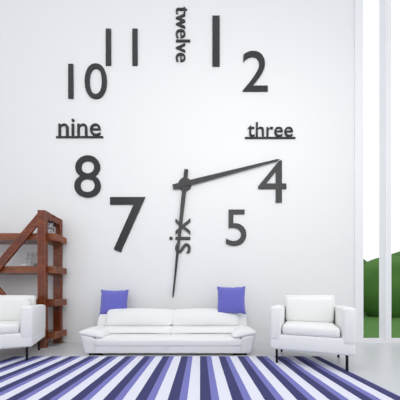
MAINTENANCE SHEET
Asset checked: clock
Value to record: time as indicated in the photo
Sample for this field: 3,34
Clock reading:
2,31
